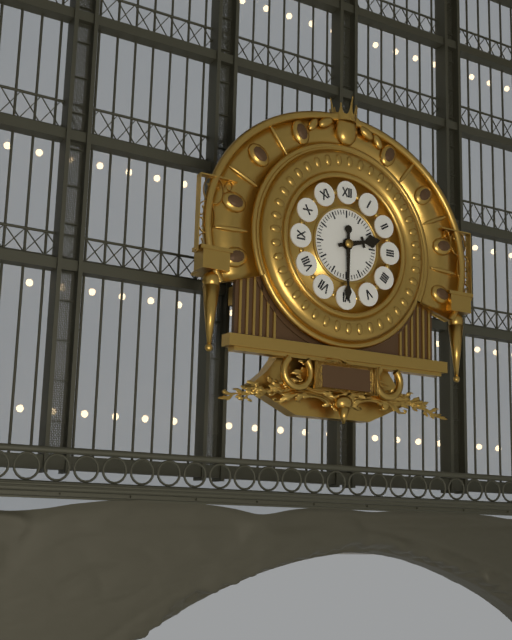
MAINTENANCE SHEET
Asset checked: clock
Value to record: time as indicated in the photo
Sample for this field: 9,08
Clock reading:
2,30
